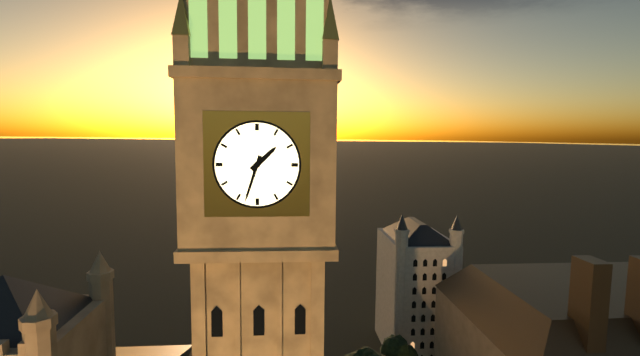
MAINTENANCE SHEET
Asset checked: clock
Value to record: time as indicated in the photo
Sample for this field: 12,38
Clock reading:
1,33
